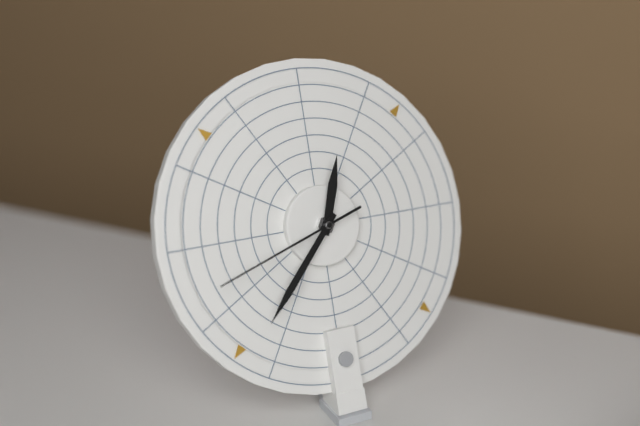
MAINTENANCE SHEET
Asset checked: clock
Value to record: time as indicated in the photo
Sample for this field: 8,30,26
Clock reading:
12,37,42
